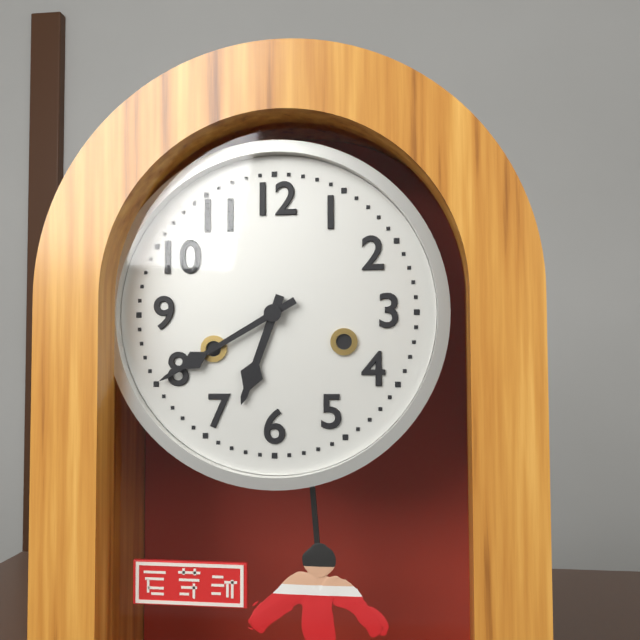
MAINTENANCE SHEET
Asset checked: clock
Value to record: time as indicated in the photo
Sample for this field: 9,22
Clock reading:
6,40
